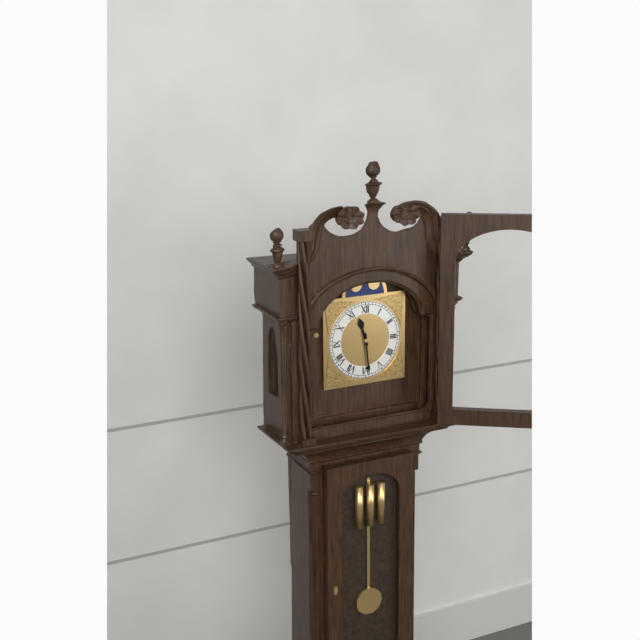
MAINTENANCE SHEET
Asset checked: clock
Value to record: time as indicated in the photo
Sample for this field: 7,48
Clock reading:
11,29
